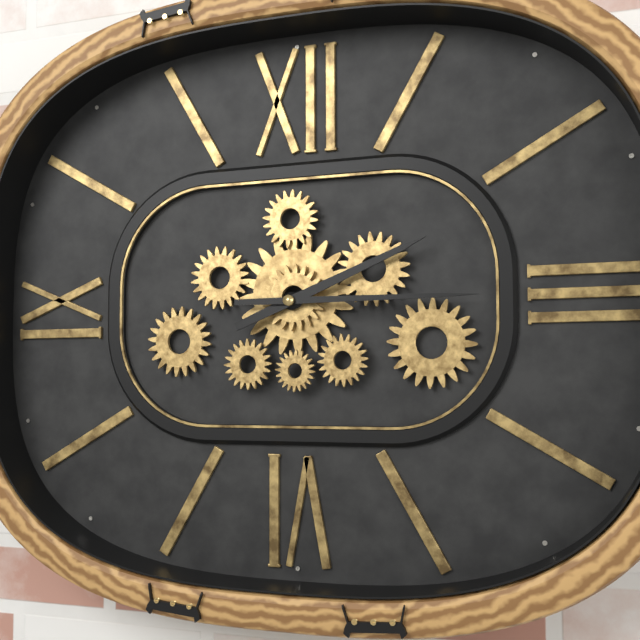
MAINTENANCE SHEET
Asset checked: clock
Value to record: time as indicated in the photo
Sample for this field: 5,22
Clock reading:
2,15
